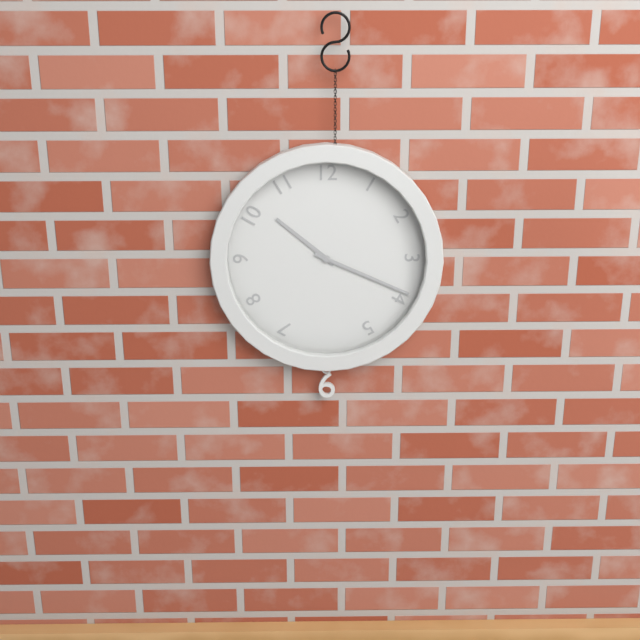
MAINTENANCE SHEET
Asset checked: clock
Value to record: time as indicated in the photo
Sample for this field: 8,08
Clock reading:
10,19
